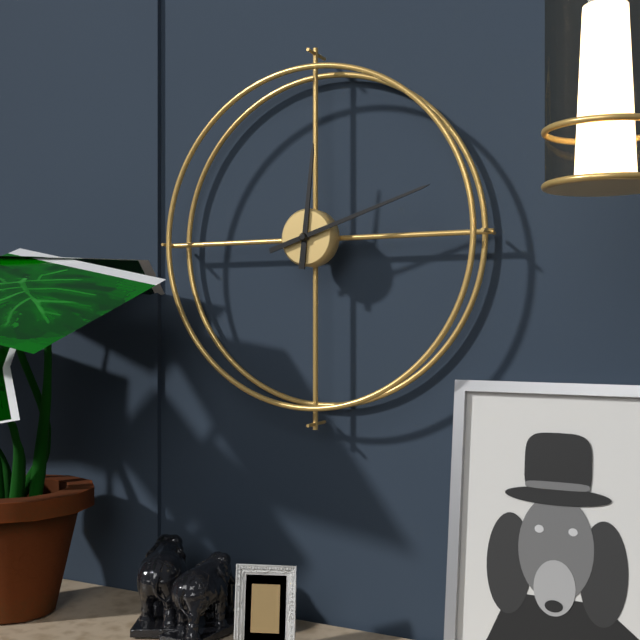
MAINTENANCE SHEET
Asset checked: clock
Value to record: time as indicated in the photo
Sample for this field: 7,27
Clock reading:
12,12
